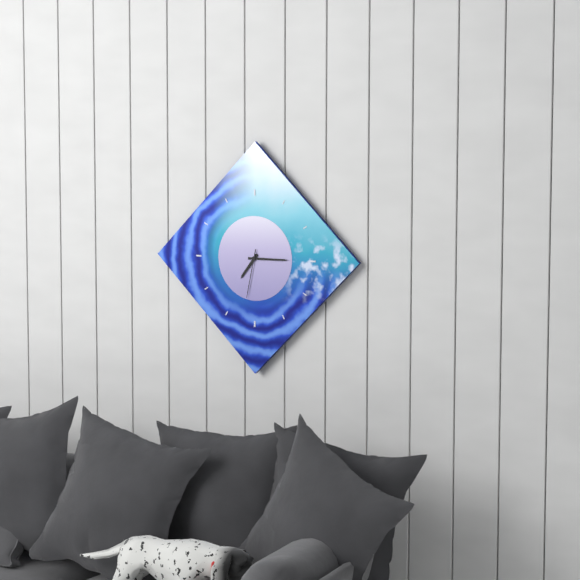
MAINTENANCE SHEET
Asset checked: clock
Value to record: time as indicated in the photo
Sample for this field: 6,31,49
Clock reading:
7,15,32
